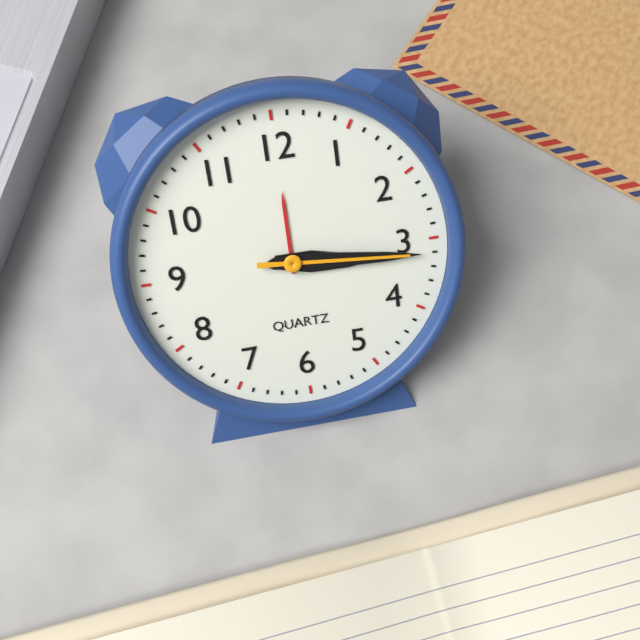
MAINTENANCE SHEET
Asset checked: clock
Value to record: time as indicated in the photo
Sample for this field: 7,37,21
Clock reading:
3,16,16
